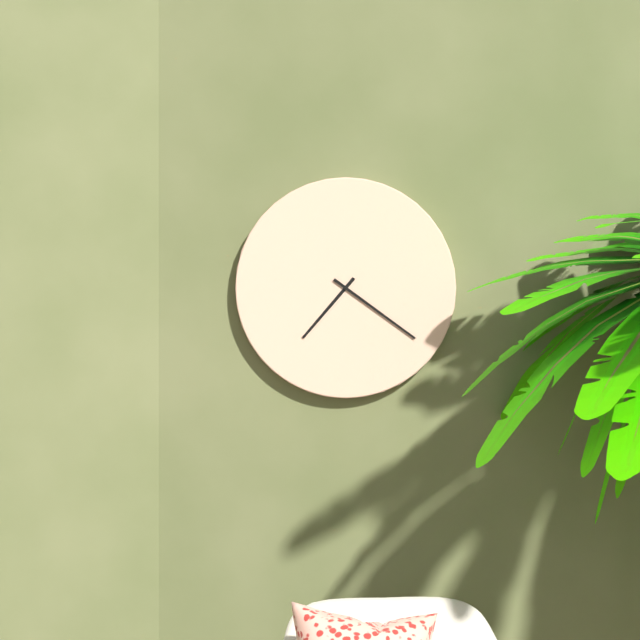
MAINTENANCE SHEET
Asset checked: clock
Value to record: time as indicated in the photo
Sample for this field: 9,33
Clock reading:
7,21
